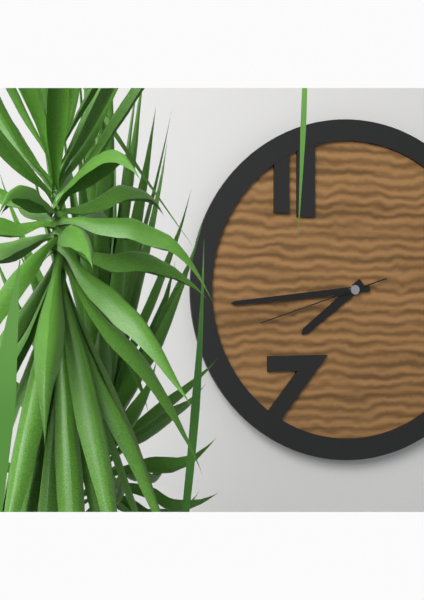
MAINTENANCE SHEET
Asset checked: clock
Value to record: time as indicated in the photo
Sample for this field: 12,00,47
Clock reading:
7,44,42
